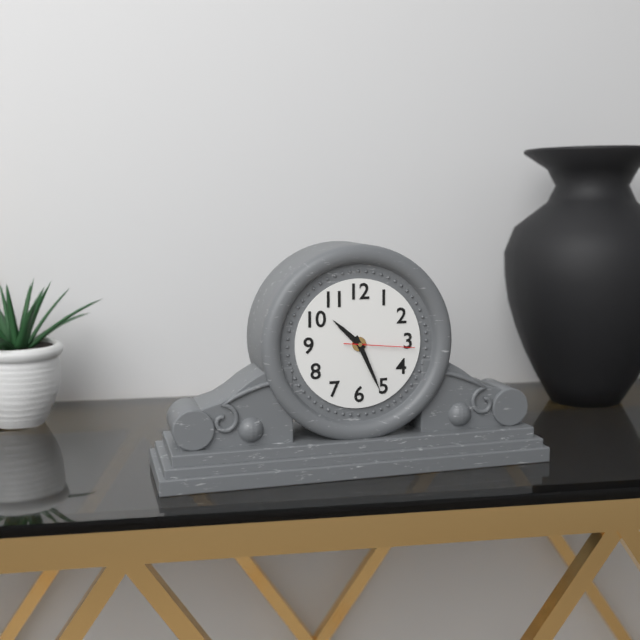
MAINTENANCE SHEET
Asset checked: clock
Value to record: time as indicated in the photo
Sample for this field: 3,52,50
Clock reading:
10,26,16
